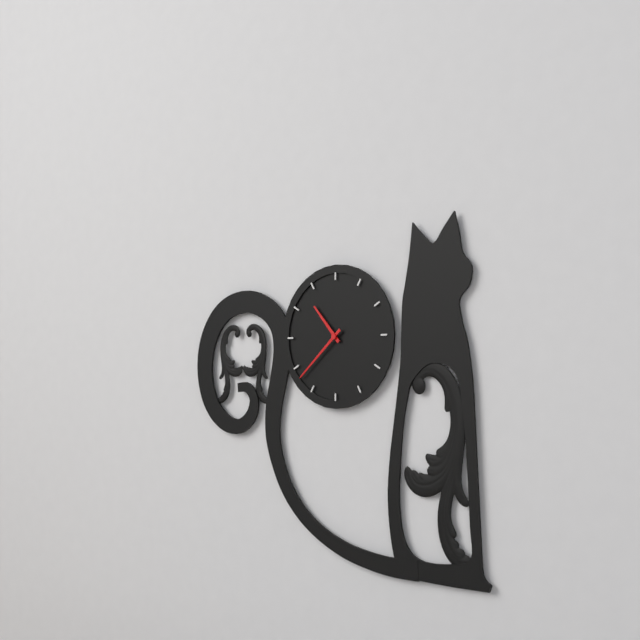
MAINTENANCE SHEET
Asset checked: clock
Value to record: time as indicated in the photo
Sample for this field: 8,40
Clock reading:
10,38
